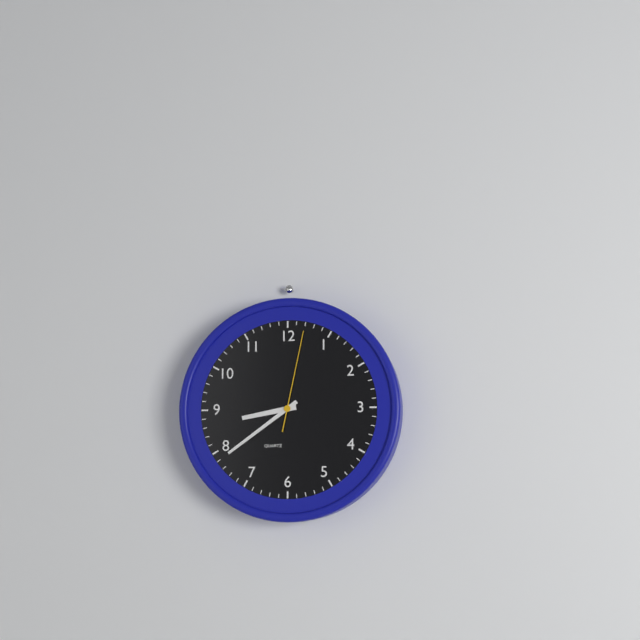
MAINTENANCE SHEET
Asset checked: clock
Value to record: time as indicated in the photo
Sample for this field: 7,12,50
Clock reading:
8,39,02
